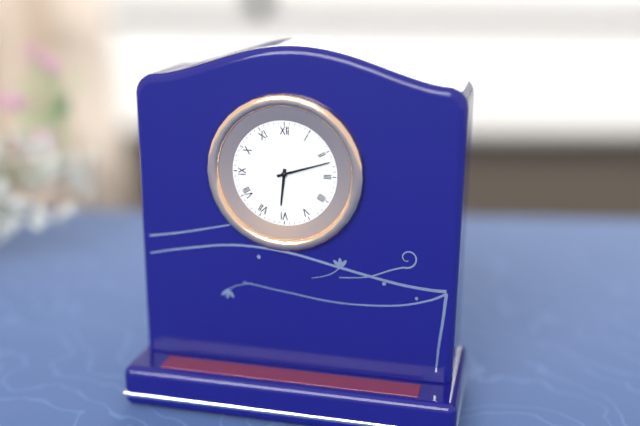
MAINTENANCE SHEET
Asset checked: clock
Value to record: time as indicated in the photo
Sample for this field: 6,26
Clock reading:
6,12
